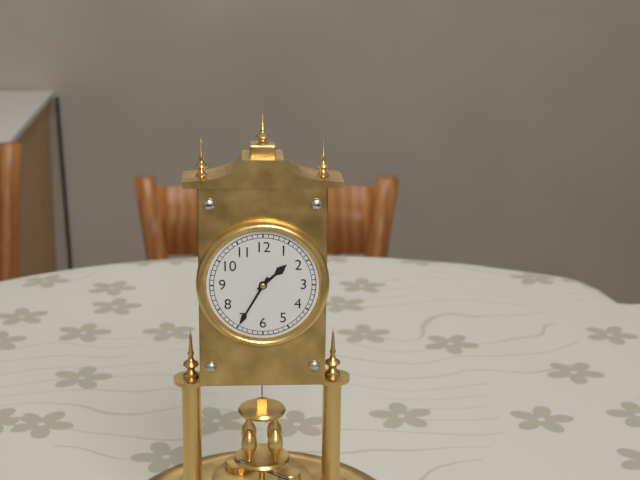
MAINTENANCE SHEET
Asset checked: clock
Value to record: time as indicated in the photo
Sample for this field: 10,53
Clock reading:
1,35
